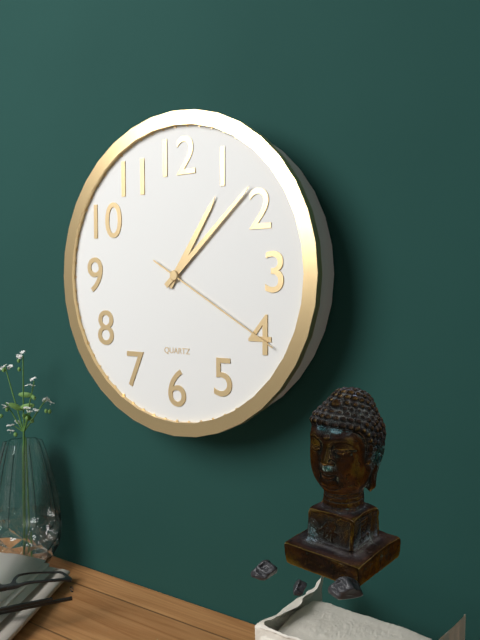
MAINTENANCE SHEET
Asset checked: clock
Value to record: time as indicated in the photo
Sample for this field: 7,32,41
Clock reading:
1,08,20
